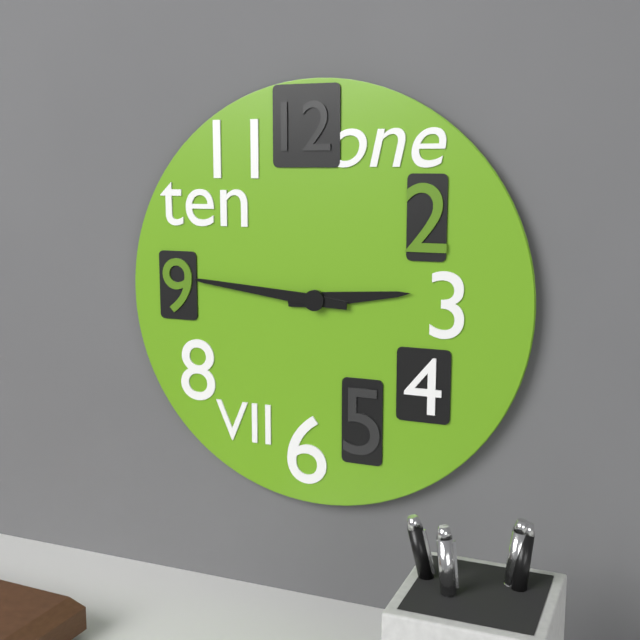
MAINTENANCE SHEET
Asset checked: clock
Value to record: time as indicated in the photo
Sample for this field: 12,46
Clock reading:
2,46
